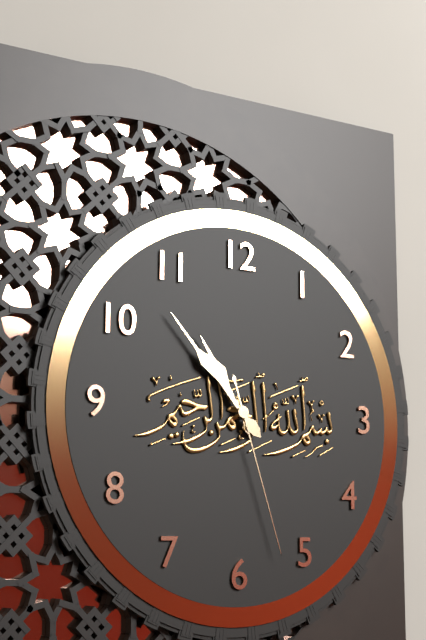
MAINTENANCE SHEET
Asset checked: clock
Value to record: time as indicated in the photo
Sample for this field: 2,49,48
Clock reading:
10,53,27
